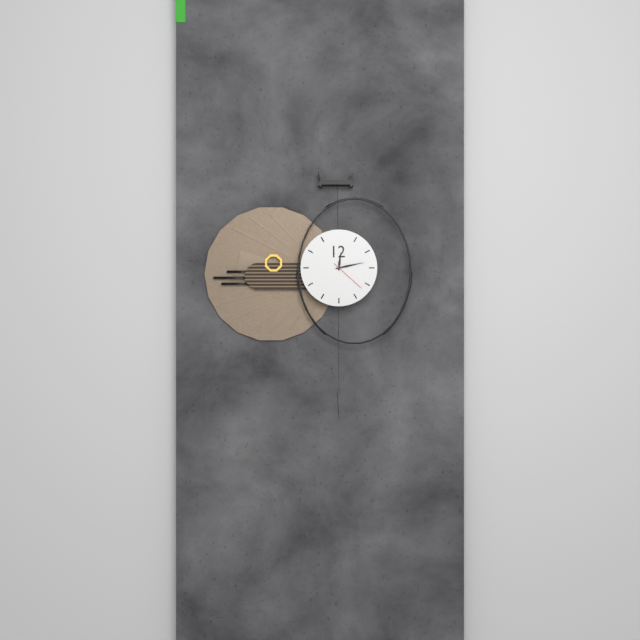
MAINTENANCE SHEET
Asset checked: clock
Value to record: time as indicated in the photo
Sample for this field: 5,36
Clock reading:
12,13
